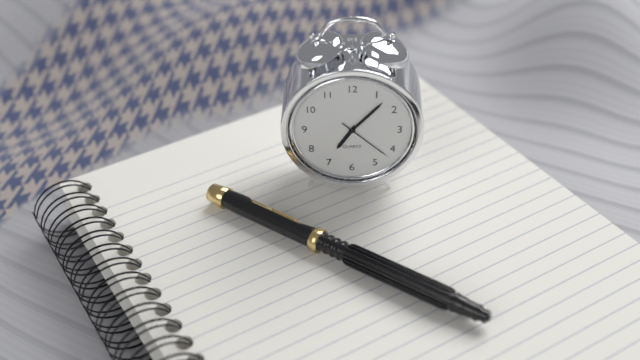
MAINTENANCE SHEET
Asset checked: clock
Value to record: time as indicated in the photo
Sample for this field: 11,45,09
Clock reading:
7,07,22
